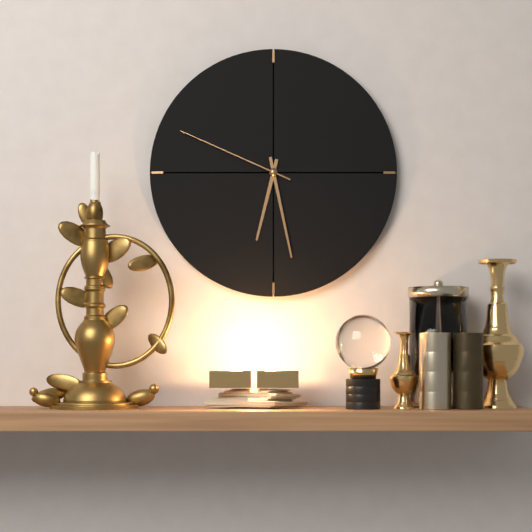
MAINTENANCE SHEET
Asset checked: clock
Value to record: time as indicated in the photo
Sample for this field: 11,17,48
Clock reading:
6,28,49
